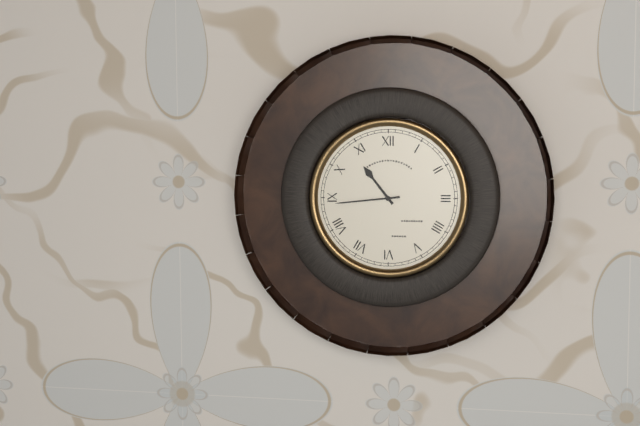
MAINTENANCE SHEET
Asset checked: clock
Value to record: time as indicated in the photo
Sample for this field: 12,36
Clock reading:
10,44
